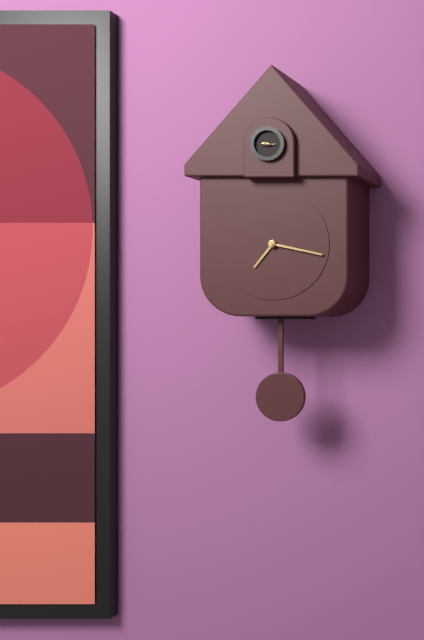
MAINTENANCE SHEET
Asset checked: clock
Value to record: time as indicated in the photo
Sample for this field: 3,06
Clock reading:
7,17
